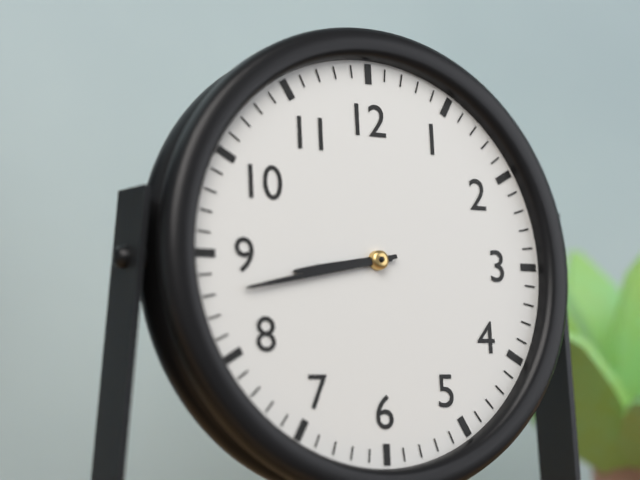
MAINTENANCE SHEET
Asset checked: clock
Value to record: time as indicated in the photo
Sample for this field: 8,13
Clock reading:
8,43
